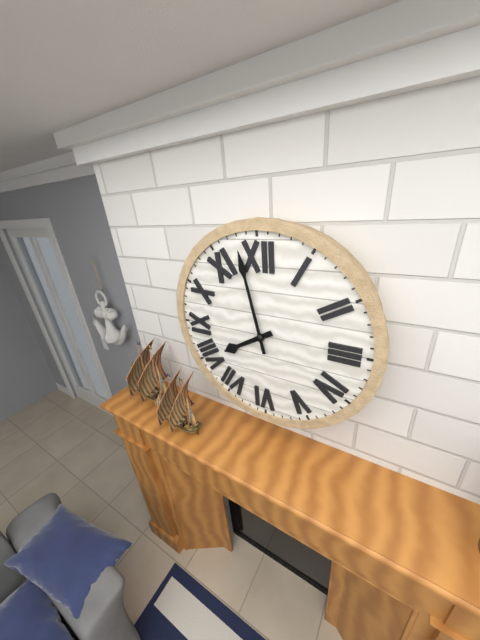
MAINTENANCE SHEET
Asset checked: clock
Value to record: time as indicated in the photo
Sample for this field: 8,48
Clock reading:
7,58
